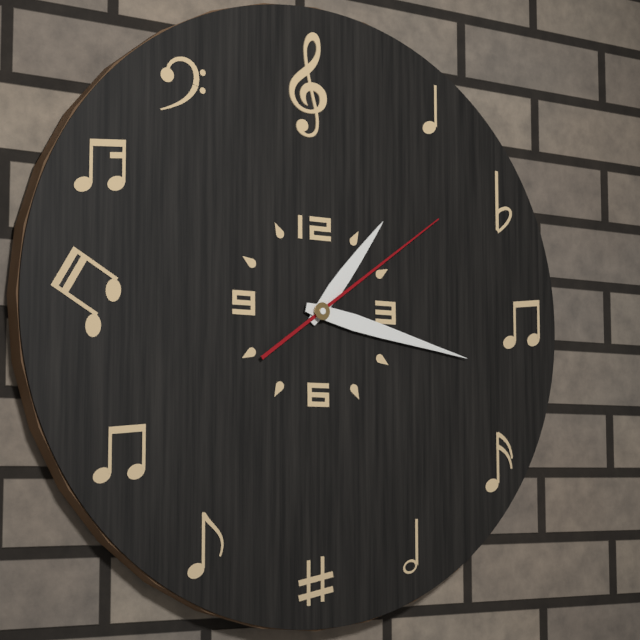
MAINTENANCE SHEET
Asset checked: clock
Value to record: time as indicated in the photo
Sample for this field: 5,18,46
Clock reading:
1,17,09
